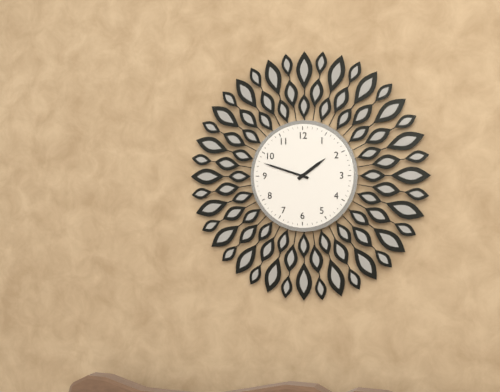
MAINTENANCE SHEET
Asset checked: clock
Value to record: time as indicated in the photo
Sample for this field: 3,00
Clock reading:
1,48
